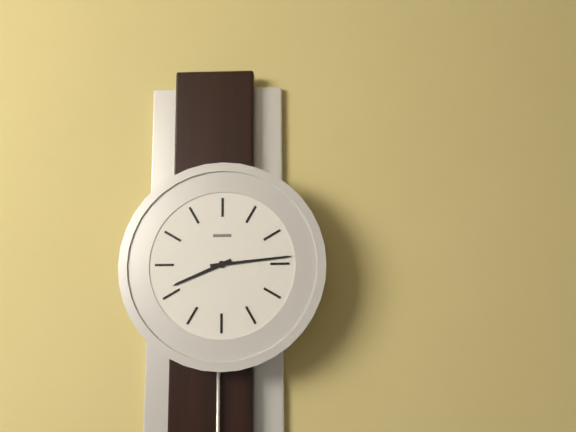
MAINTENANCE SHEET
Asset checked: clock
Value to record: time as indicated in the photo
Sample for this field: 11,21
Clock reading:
8,14
